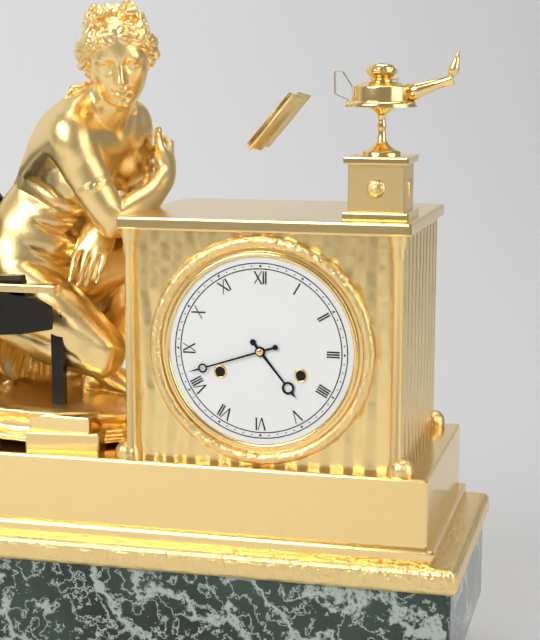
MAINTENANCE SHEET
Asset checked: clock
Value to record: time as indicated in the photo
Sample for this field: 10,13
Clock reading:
4,42
